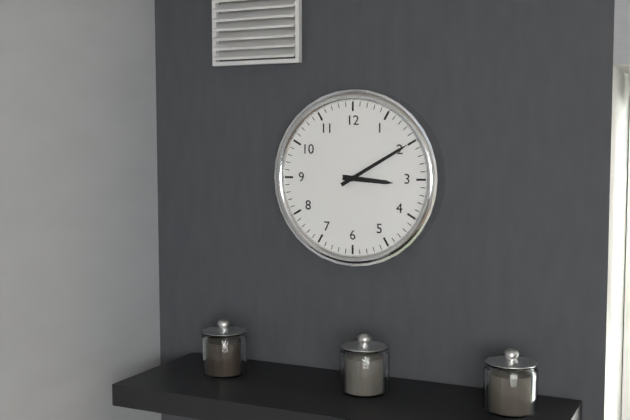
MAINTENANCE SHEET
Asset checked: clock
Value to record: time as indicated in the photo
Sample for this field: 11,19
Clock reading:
3,10
